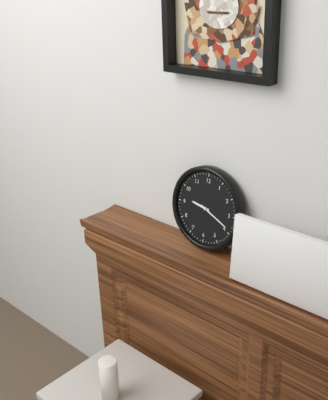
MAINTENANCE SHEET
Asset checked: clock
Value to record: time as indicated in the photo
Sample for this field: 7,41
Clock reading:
9,19
